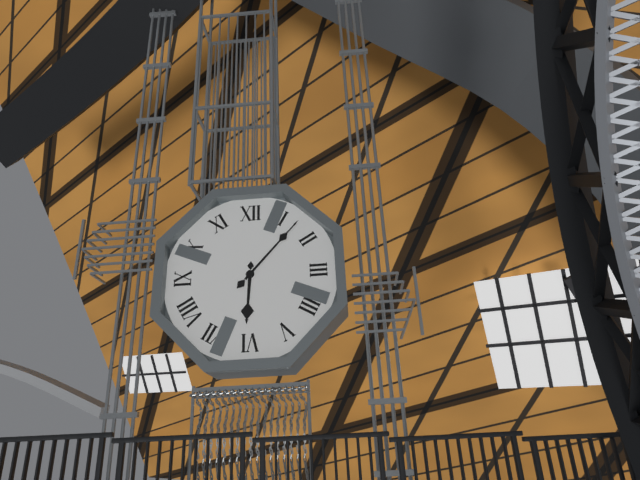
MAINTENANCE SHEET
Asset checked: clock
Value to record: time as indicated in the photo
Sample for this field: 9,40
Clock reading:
6,07
